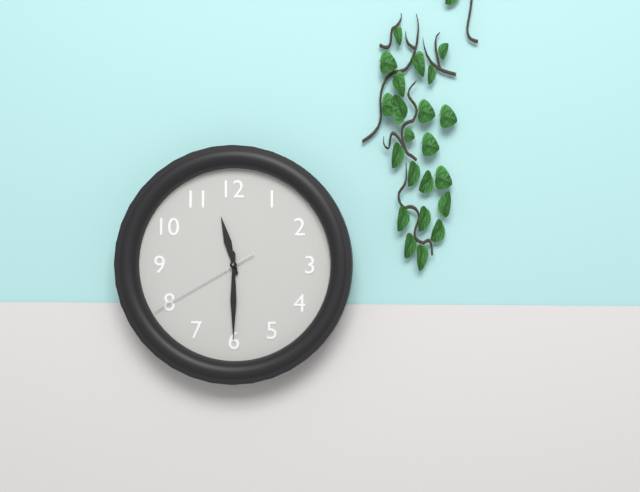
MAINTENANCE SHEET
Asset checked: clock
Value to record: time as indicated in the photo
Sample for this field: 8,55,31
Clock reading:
11,30,40
